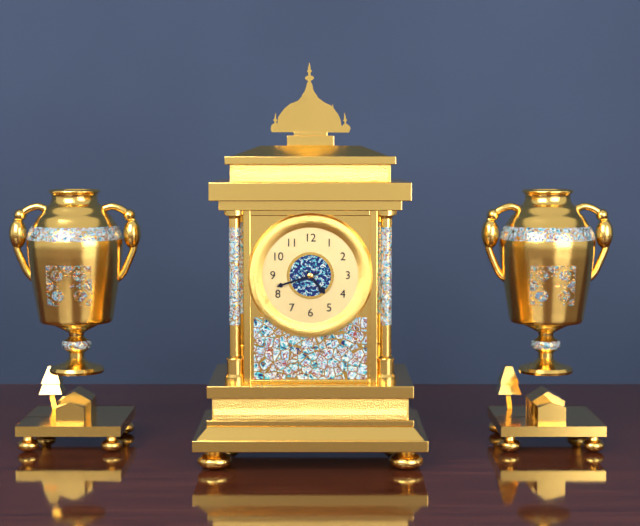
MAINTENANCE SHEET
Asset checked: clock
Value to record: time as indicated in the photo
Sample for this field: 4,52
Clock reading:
4,42
